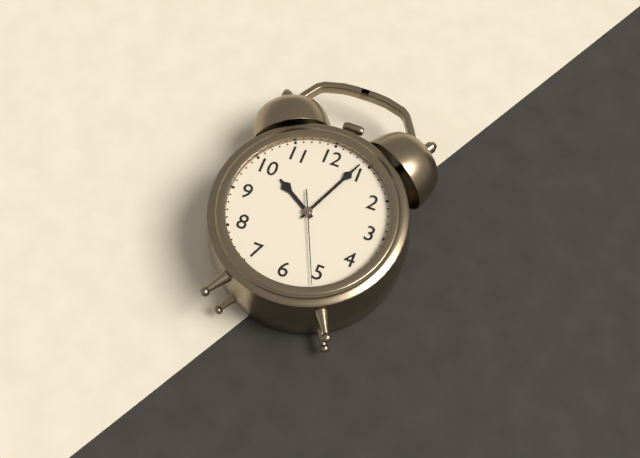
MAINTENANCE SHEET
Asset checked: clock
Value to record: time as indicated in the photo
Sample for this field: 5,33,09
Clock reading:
10,04,26
